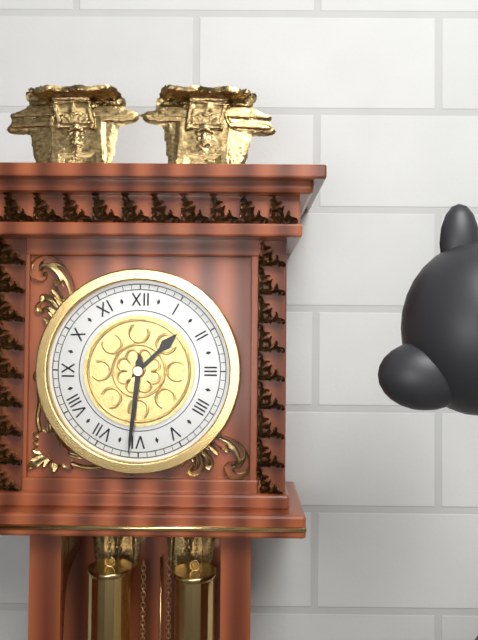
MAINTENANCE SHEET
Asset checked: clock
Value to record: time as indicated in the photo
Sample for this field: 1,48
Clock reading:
1,31
